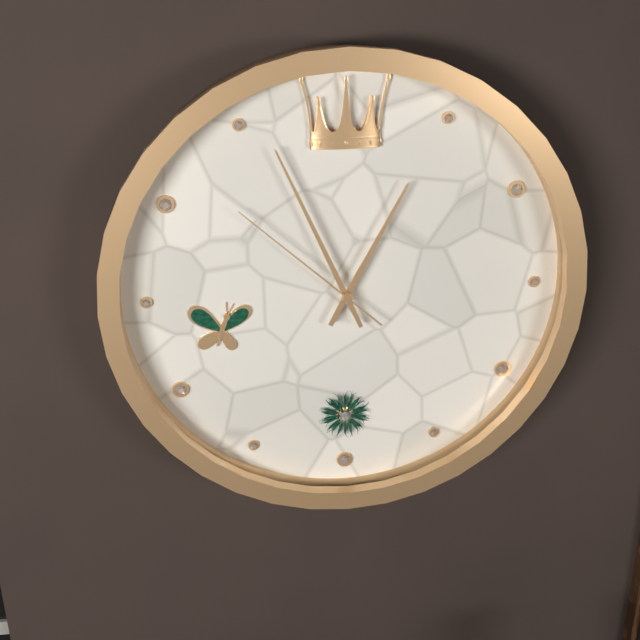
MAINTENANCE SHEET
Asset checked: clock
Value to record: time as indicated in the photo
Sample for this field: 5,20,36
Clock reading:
12,56,52
